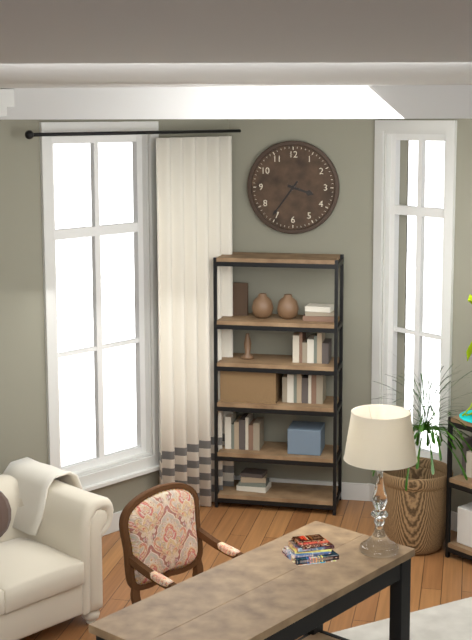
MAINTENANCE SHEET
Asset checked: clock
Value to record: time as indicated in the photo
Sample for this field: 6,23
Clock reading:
3,36
